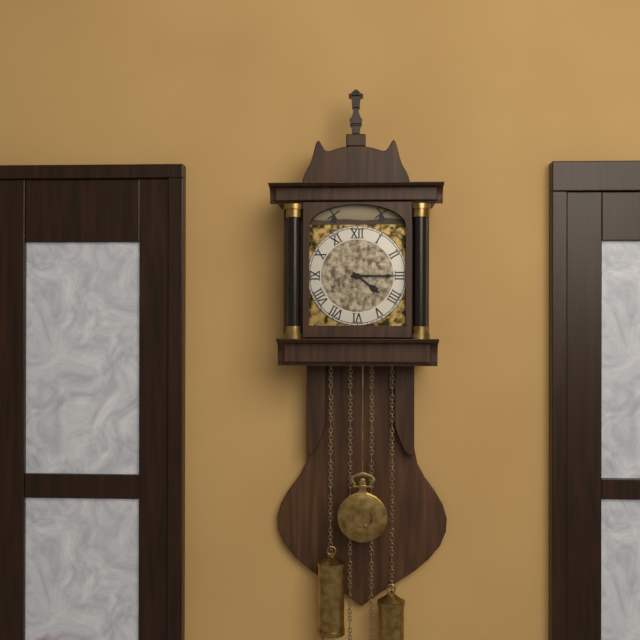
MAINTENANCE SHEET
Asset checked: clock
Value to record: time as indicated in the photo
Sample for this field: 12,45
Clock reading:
4,15
